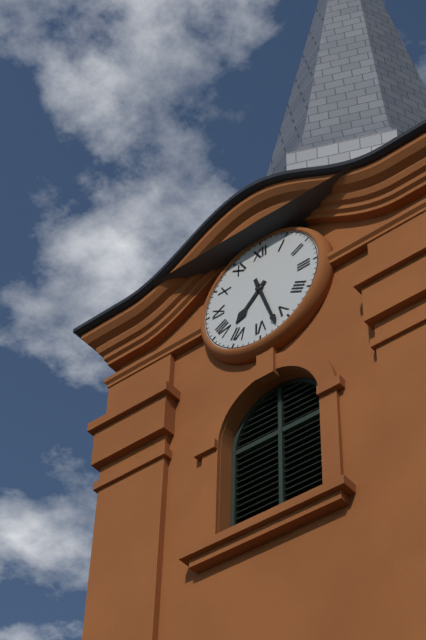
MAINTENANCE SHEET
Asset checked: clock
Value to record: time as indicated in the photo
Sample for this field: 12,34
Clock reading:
7,27
